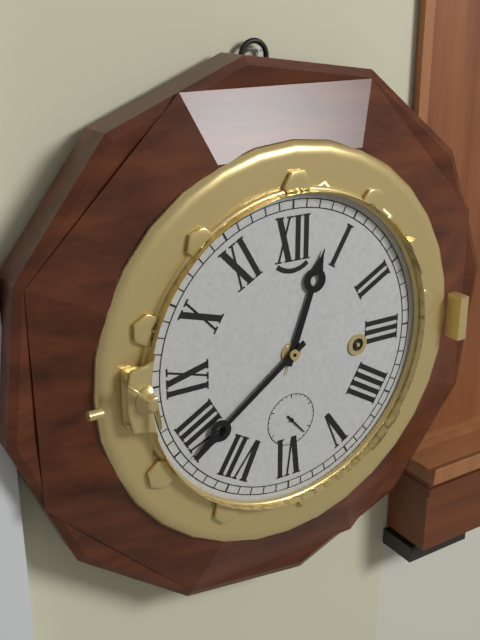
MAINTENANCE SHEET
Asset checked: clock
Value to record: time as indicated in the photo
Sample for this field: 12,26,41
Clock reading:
12,39,23
